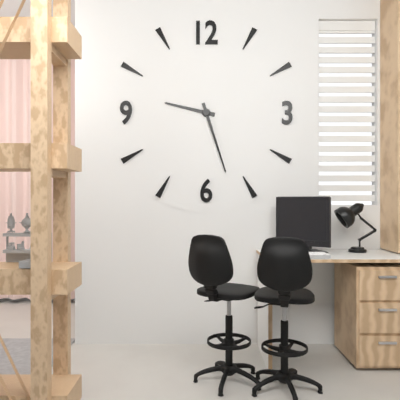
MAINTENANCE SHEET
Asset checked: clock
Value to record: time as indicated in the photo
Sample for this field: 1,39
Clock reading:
9,27
